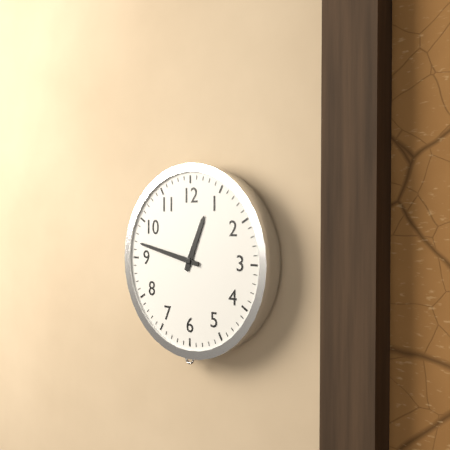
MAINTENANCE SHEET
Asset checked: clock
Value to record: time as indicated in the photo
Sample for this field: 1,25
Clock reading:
12,47
